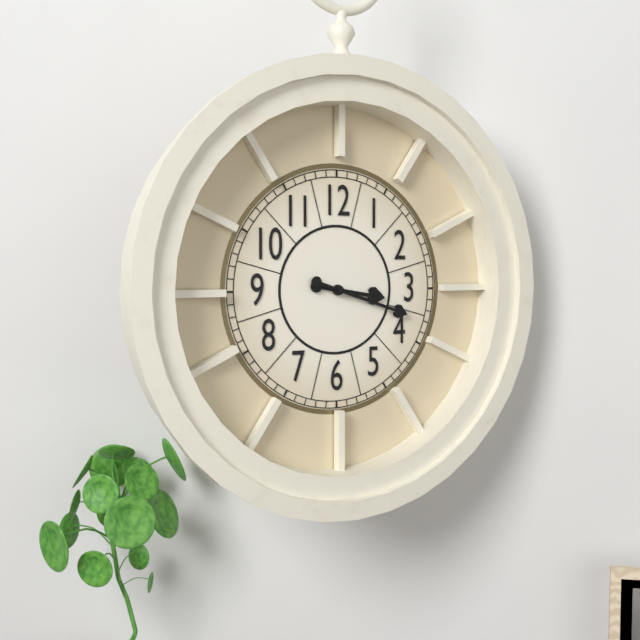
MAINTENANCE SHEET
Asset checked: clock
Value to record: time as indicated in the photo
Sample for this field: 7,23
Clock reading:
3,18
